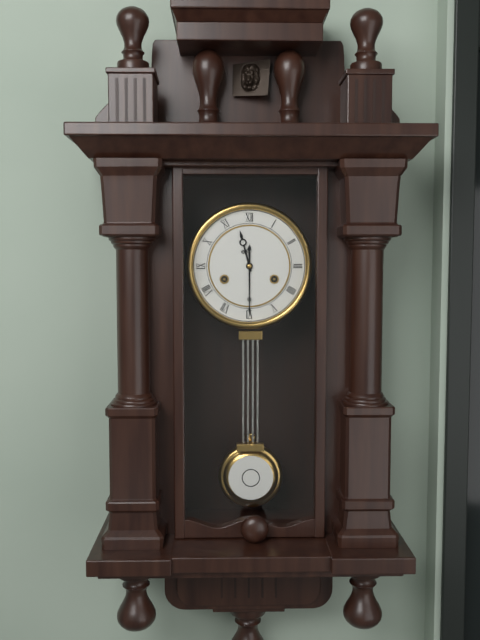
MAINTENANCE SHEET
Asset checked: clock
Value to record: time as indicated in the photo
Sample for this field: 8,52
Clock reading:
11,30
